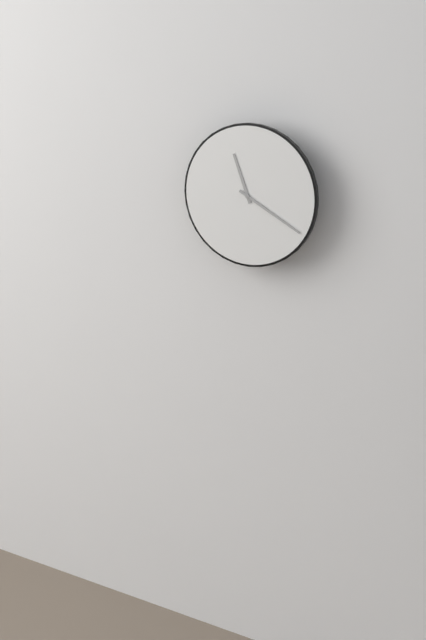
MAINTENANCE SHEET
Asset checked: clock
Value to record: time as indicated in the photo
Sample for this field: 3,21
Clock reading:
11,20
